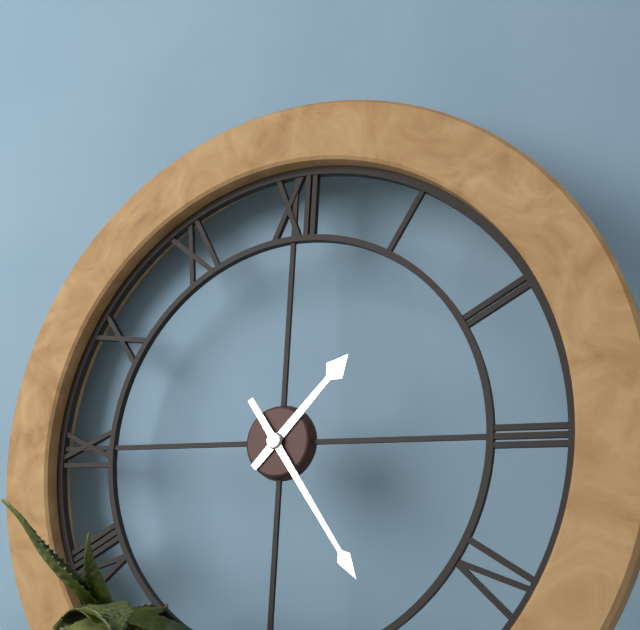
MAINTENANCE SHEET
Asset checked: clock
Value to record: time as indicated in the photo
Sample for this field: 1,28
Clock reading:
1,24
